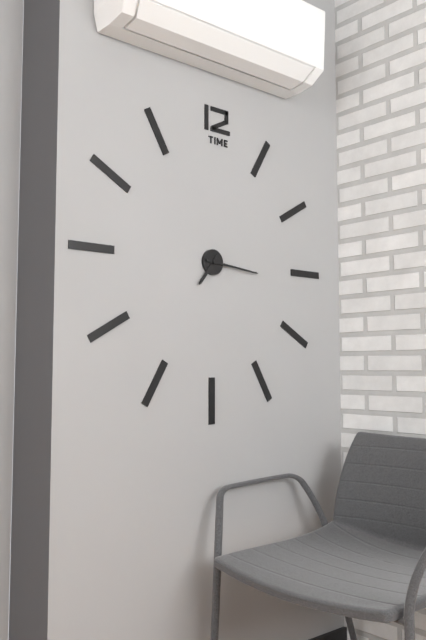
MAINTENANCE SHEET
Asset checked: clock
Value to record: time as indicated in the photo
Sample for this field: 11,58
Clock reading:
7,16
